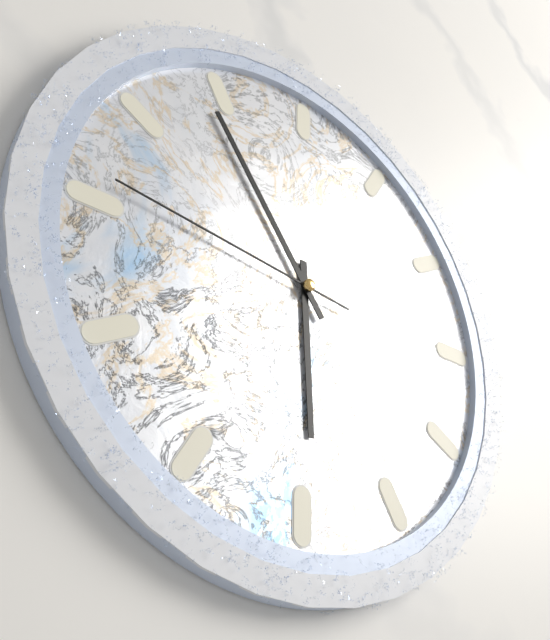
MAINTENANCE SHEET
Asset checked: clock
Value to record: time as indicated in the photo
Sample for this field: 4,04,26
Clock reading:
5,54,46
